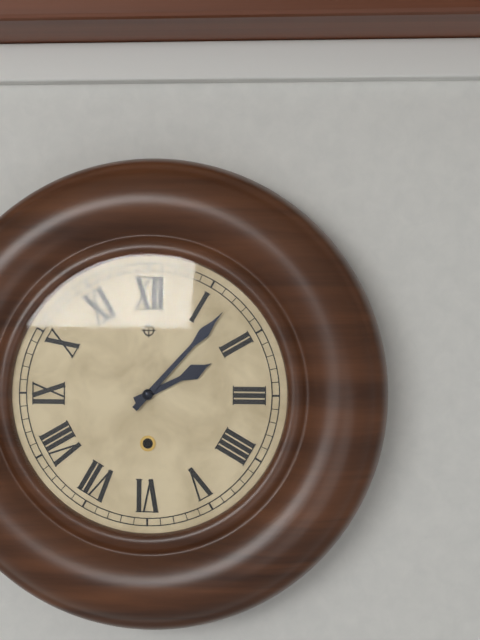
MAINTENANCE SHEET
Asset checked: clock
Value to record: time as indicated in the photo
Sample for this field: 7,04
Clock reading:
2,07
